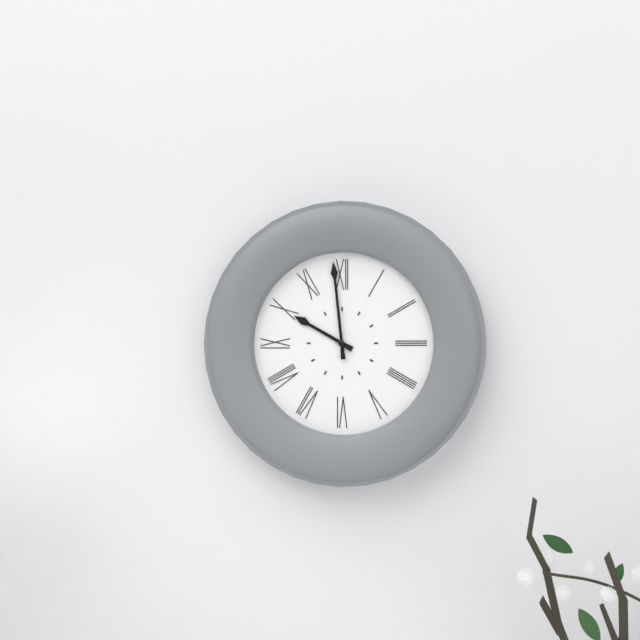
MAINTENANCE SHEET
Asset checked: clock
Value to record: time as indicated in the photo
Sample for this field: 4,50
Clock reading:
9,59
